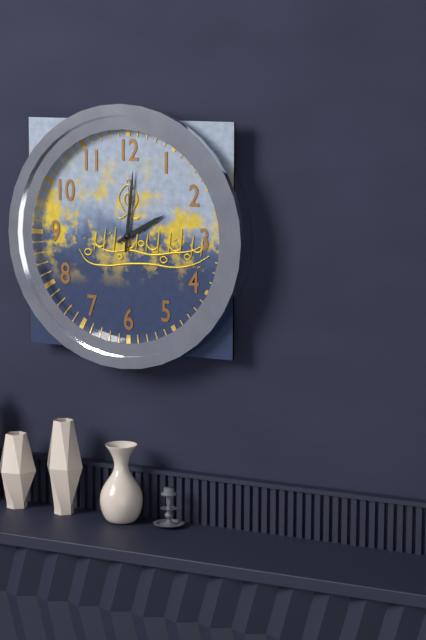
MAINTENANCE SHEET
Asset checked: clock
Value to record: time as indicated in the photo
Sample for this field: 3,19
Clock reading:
2,01
